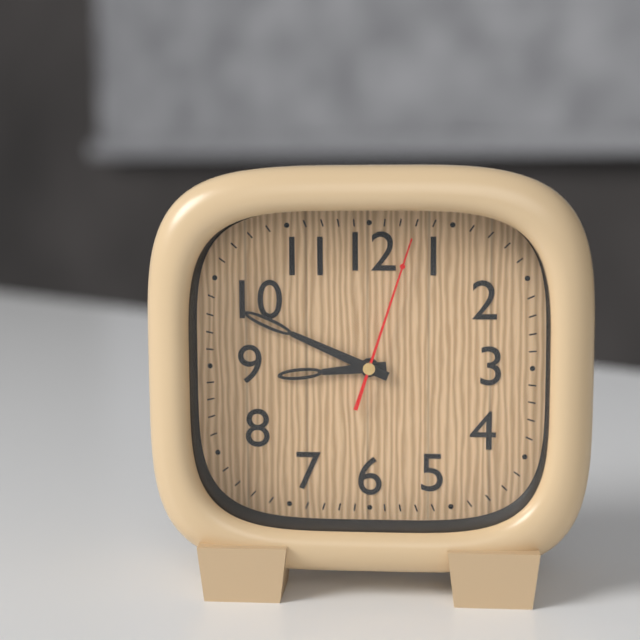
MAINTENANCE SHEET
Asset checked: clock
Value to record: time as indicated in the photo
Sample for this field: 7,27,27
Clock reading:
8,49,03
